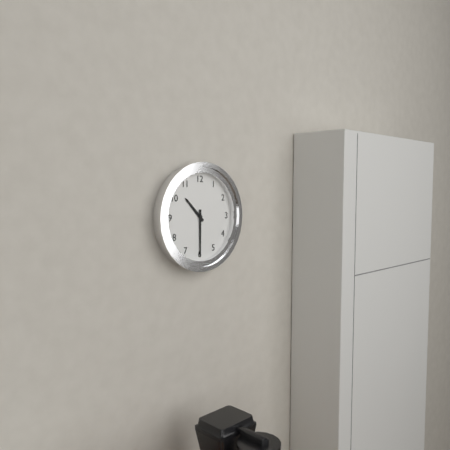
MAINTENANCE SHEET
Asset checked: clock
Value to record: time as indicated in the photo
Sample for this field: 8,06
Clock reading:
10,30
